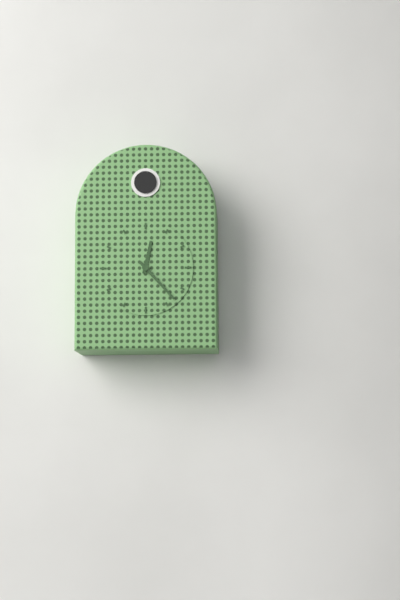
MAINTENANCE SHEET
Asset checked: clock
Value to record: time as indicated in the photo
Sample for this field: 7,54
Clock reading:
12,23
